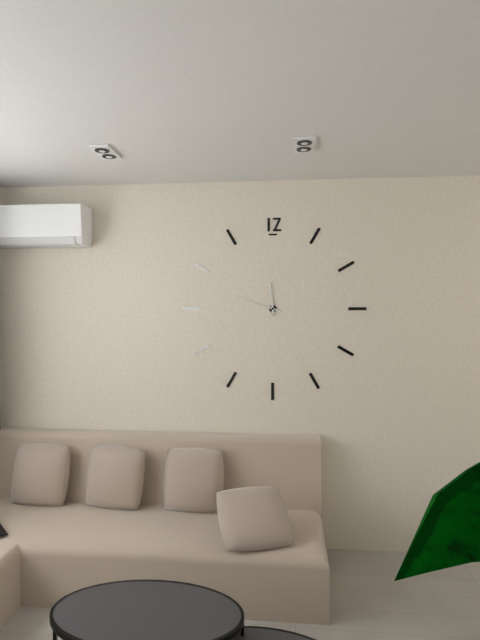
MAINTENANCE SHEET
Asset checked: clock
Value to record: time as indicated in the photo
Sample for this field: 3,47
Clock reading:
11,48
